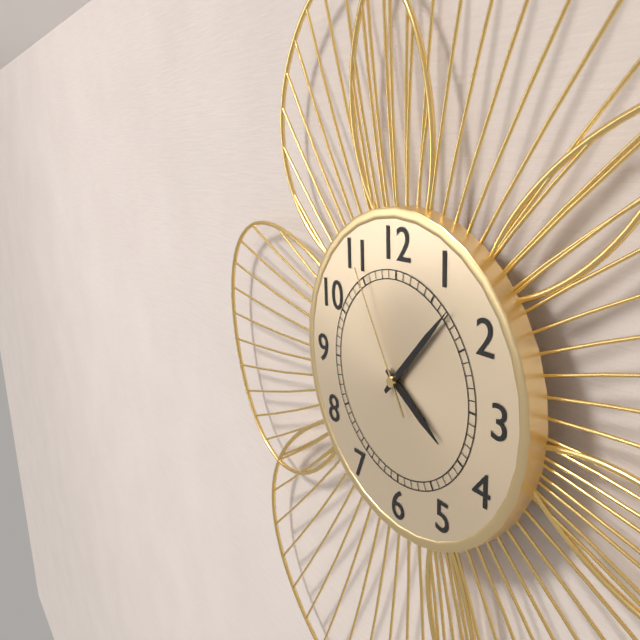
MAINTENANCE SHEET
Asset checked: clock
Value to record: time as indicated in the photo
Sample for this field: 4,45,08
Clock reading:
4,07,55
